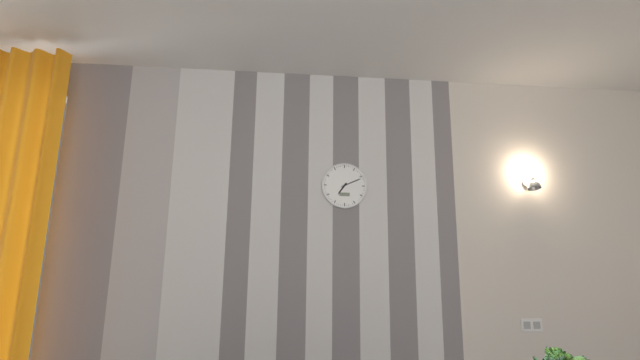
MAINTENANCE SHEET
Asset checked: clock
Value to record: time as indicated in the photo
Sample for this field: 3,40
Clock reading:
7,11
